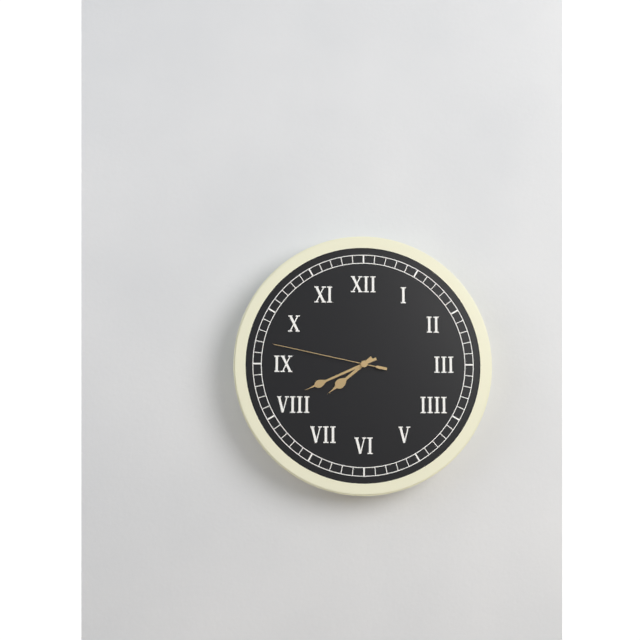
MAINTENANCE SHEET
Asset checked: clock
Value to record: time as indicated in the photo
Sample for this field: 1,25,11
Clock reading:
7,41,47
